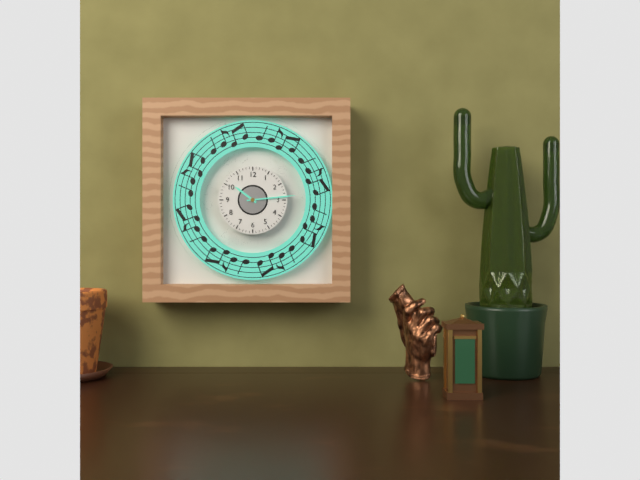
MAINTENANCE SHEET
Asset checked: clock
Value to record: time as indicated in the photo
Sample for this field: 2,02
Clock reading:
10,14
